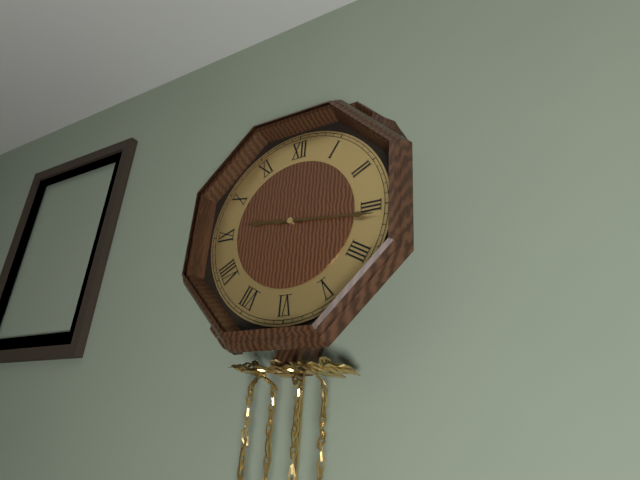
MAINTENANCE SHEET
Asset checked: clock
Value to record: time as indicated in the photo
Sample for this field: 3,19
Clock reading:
9,16
